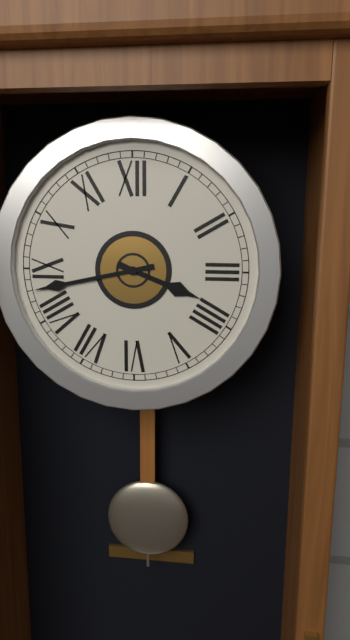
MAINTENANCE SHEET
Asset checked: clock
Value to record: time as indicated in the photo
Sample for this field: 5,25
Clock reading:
3,43
